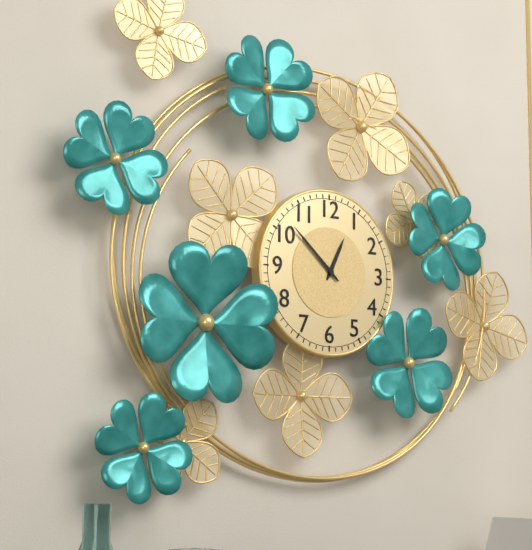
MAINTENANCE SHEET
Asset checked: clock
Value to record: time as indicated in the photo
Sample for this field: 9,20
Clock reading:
12,52
